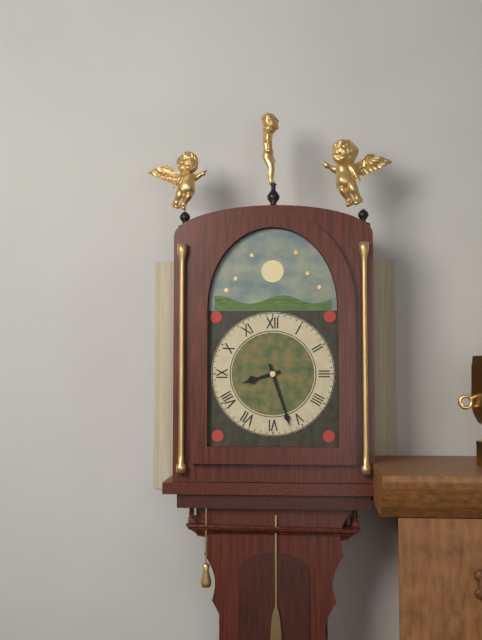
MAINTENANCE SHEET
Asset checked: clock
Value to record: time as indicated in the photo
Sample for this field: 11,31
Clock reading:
8,27
